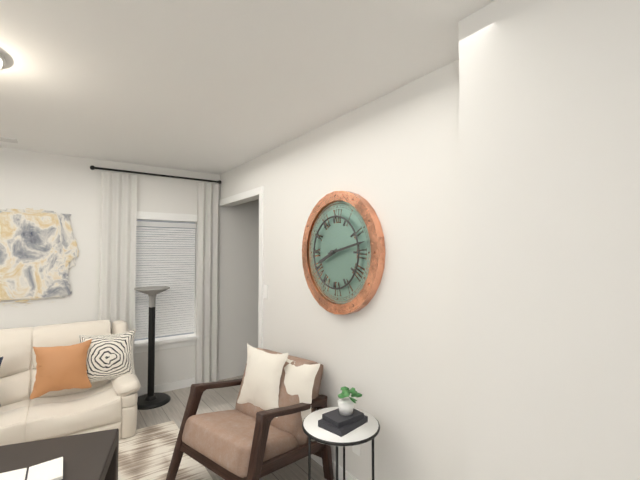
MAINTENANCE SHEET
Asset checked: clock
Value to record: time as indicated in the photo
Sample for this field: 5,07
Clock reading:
8,13
